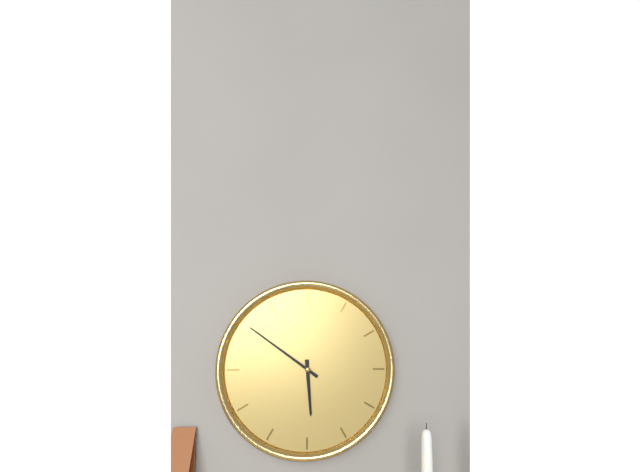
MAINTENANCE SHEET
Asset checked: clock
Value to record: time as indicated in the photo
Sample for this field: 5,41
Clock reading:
5,51
